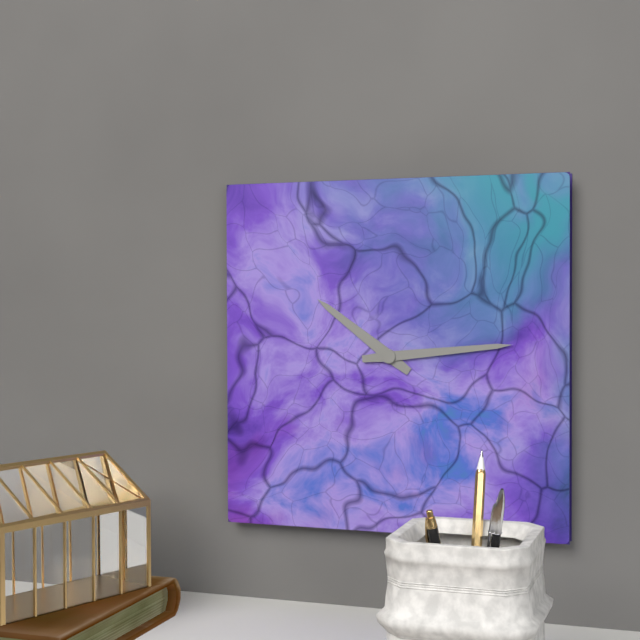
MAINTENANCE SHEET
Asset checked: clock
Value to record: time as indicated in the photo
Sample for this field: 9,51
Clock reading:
10,14
